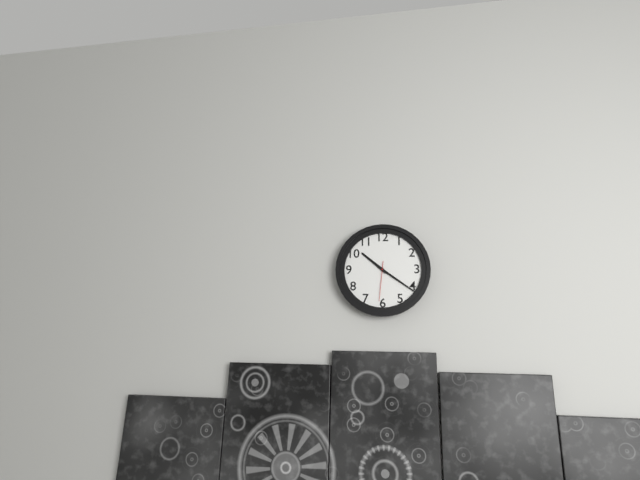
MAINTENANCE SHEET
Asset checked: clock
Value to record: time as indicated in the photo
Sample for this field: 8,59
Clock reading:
10,21
